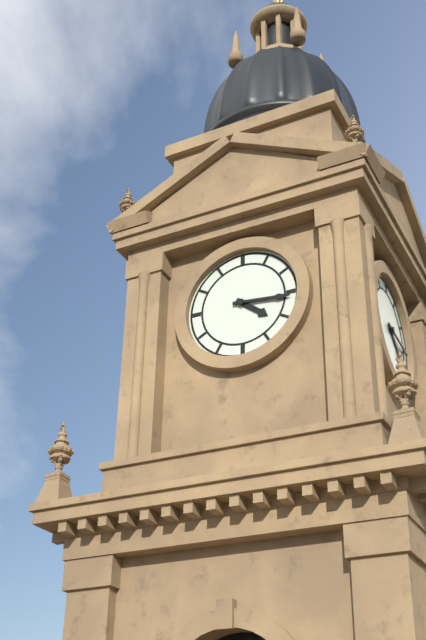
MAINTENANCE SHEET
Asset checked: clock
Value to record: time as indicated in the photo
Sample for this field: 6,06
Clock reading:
4,16
